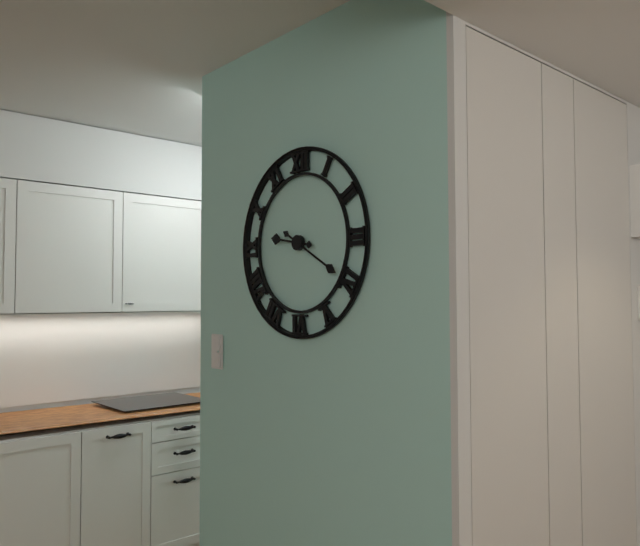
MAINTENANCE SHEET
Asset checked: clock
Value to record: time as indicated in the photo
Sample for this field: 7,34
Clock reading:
9,20
